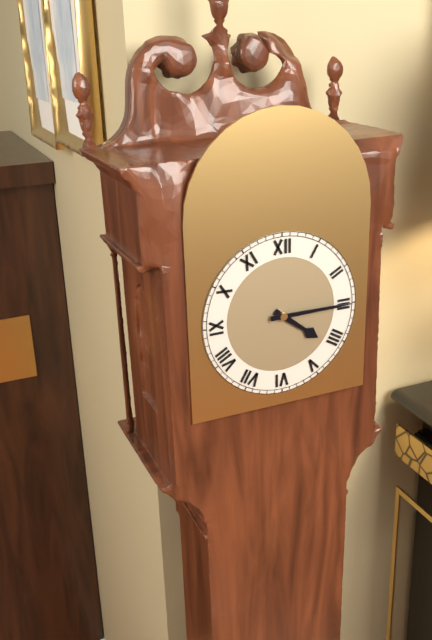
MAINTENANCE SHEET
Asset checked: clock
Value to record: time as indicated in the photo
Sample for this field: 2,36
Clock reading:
4,15
